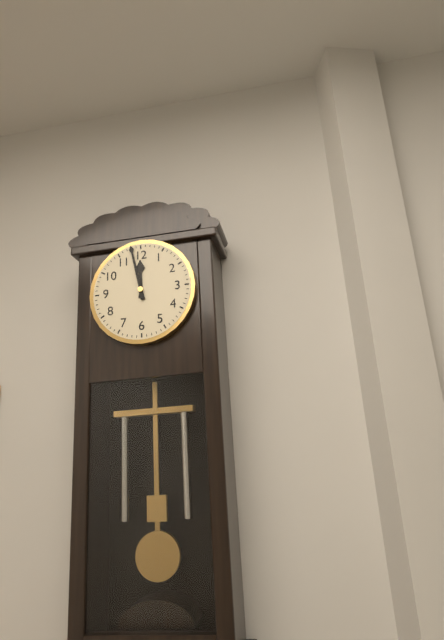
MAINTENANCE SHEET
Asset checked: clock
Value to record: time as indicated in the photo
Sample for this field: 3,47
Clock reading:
11,58
